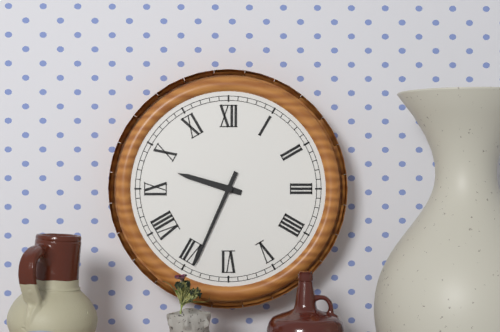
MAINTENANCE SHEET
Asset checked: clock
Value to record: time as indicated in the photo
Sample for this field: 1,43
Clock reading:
9,34
